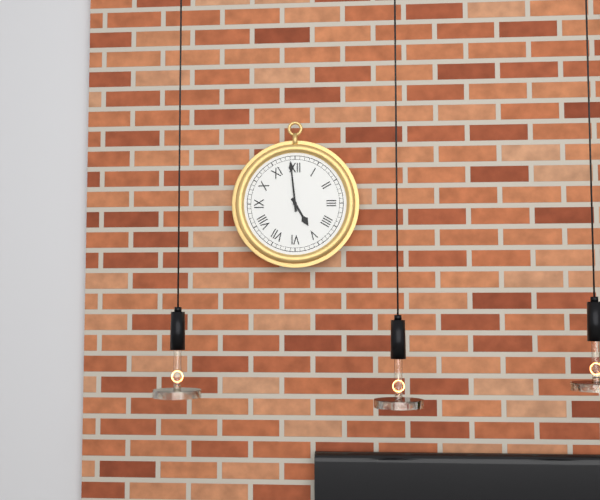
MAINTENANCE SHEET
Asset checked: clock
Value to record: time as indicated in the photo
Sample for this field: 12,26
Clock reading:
4,59
